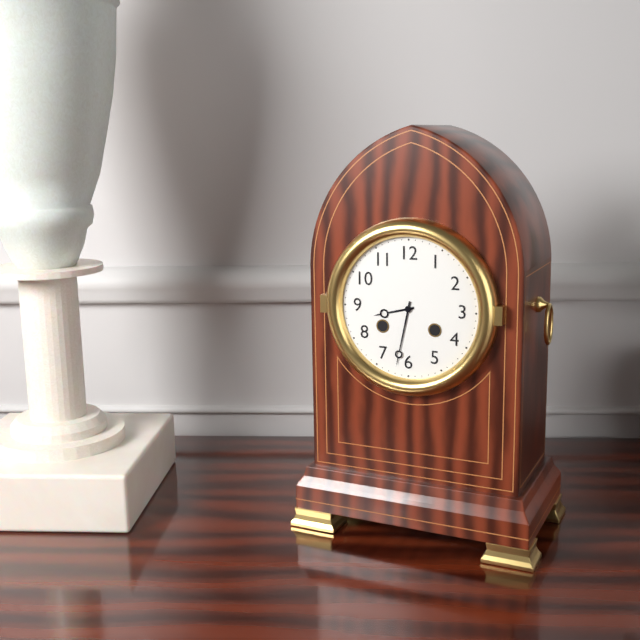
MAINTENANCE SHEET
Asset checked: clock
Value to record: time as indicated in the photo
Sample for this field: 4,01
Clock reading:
8,32
